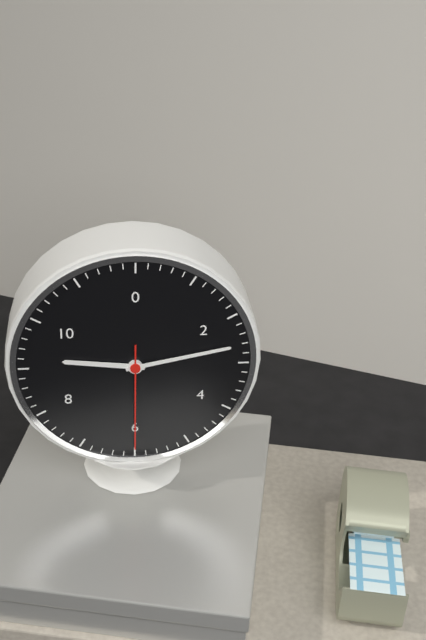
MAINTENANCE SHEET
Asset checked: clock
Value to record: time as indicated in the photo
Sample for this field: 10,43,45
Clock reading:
9,13,30
